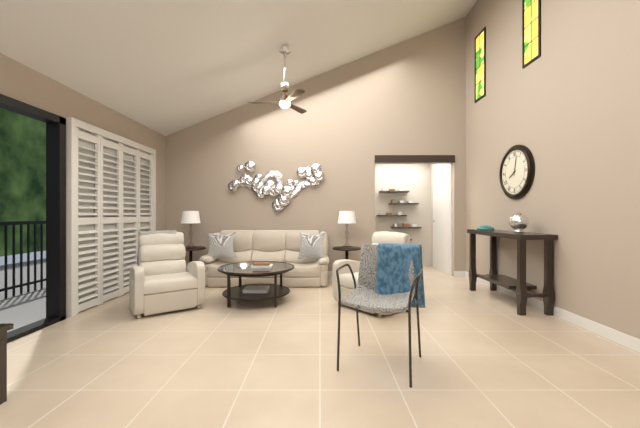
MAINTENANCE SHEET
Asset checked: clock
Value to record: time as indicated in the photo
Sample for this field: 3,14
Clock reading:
8,02
